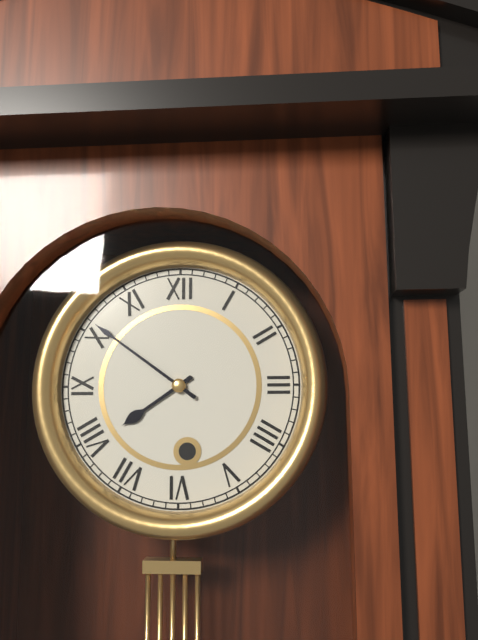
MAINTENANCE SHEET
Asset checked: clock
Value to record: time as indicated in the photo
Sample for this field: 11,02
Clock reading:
7,51
